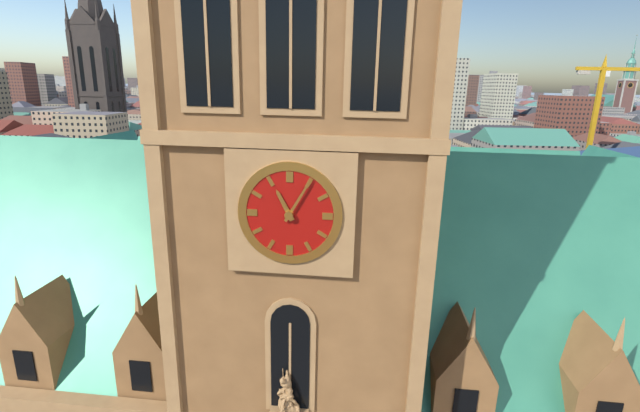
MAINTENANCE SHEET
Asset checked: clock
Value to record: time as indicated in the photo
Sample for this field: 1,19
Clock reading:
11,05
